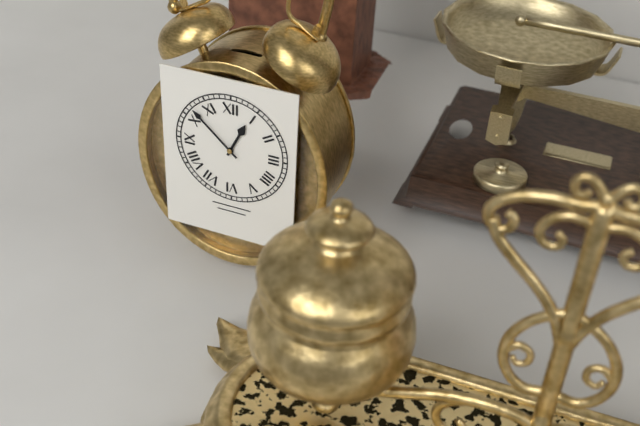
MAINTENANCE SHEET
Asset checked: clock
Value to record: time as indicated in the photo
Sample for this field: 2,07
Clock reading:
12,52
